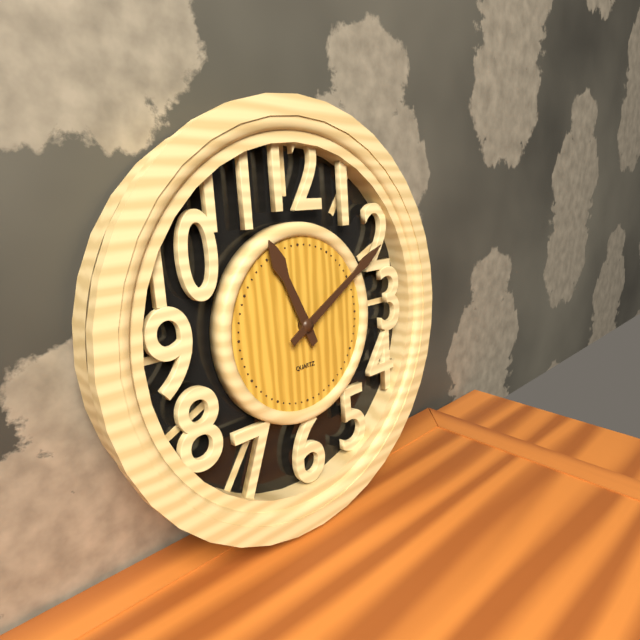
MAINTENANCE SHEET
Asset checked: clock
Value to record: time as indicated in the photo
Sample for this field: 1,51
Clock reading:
11,10
